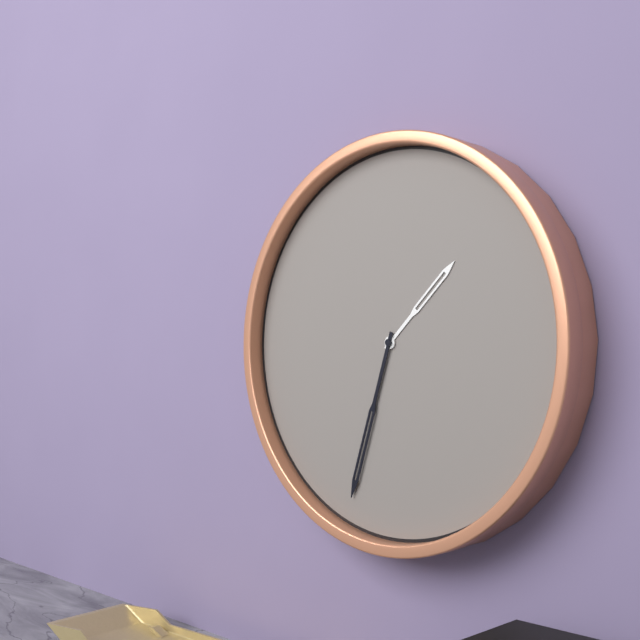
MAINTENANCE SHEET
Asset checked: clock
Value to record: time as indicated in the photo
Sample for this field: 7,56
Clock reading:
1,33
